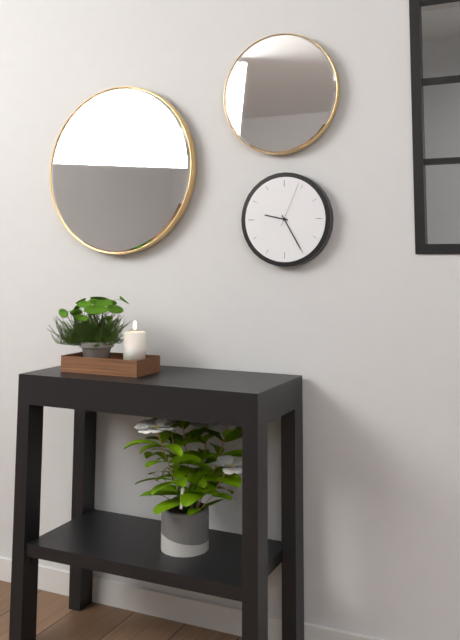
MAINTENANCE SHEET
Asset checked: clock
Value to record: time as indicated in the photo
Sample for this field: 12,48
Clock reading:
9,25
